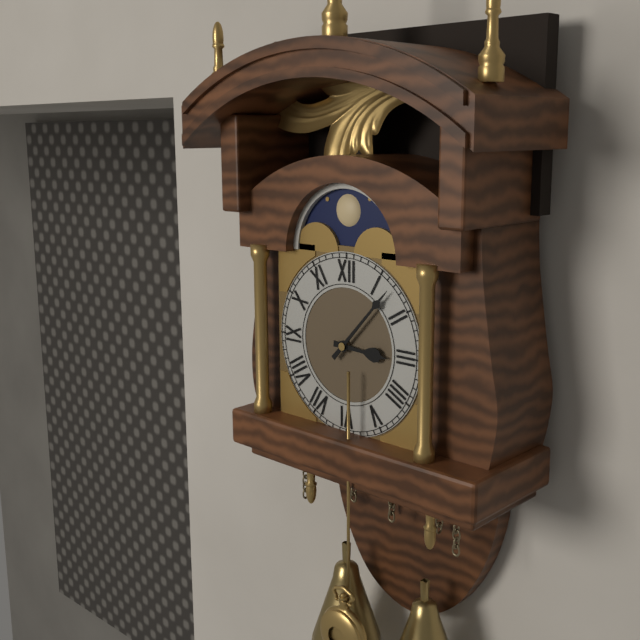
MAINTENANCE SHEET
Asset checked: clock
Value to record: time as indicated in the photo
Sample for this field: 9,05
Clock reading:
3,07
